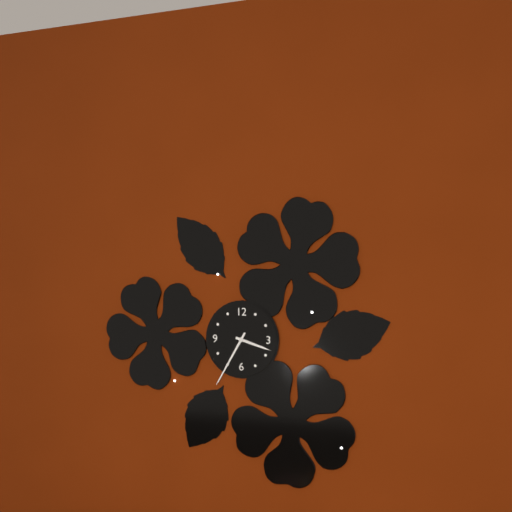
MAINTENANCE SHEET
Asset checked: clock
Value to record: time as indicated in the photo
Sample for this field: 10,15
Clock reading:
3,35
